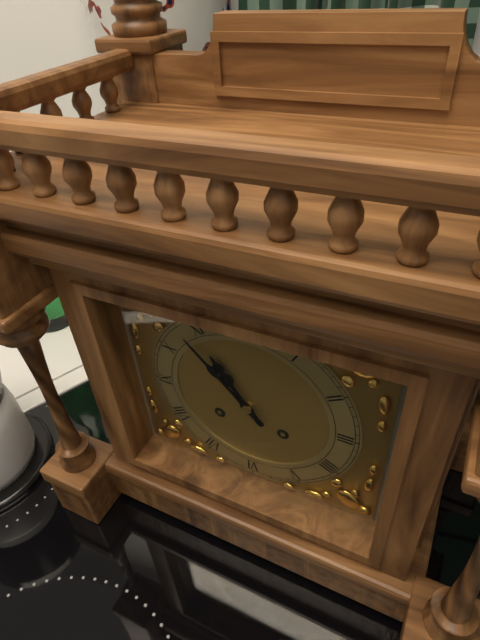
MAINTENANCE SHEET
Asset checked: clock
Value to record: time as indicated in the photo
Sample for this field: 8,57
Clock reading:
10,53
